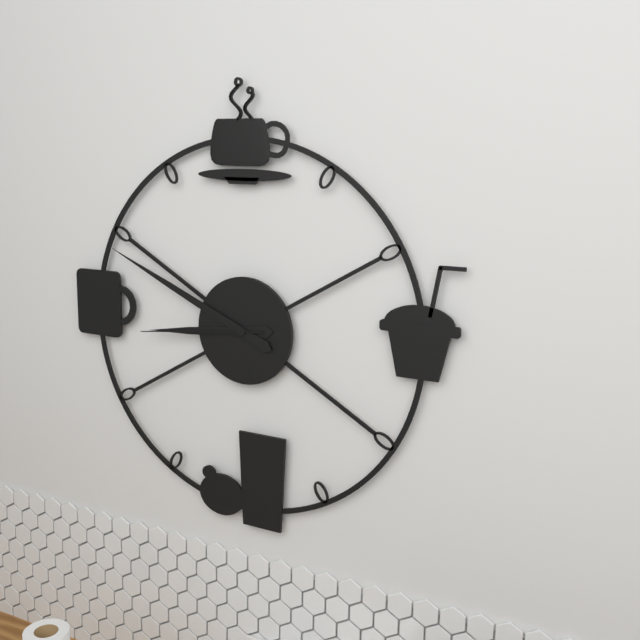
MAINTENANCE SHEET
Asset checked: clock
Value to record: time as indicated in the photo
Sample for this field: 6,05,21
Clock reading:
8,49,44
